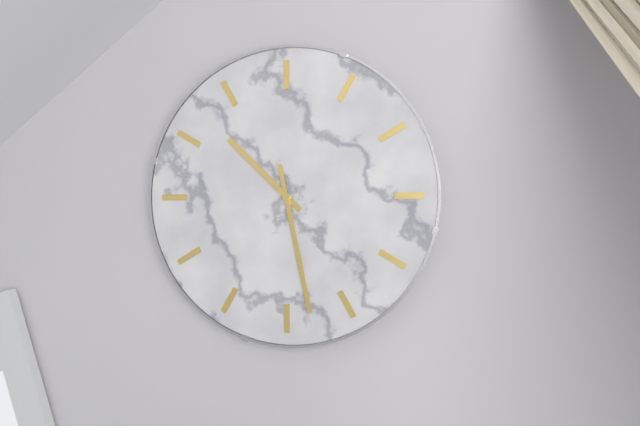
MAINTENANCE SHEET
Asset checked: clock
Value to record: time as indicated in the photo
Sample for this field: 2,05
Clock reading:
10,28
